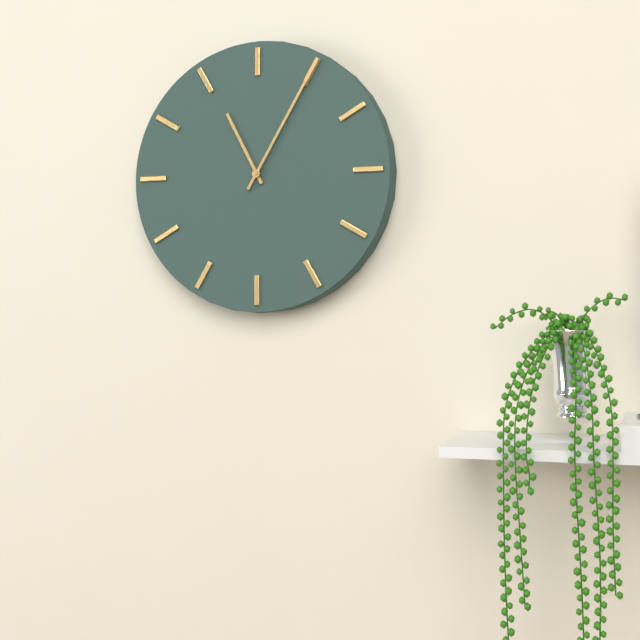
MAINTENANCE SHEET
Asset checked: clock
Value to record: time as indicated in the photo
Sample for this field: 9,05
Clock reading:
11,05
